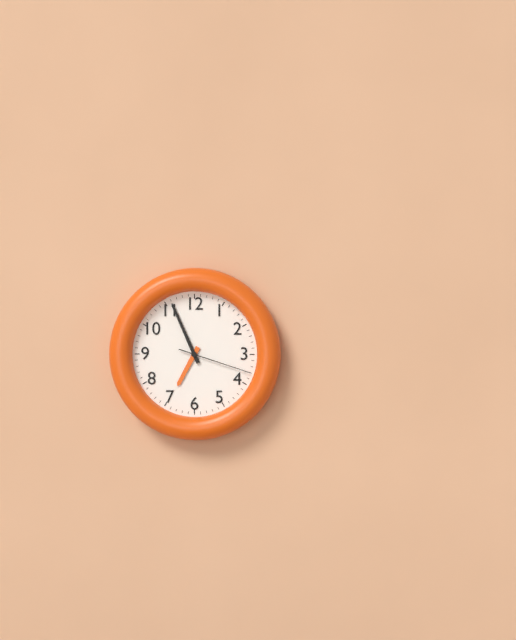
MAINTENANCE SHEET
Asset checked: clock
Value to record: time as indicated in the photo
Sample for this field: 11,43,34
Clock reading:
6,56,18
